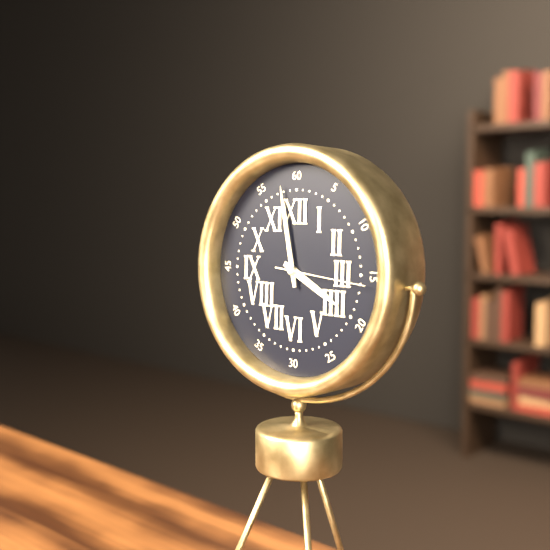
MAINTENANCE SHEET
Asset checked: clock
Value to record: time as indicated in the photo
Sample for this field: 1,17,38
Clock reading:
3,58,16
